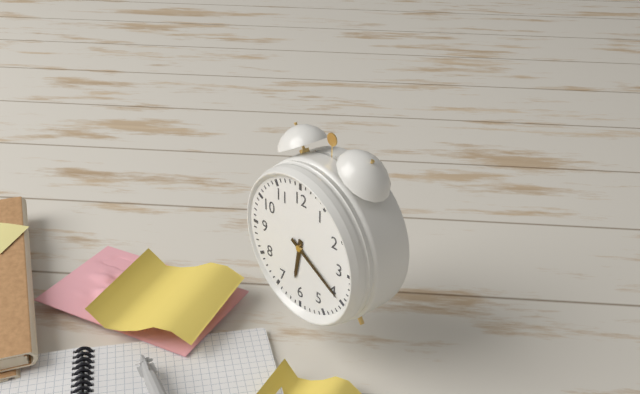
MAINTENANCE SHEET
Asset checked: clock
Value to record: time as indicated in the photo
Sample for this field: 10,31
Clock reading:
6,20
